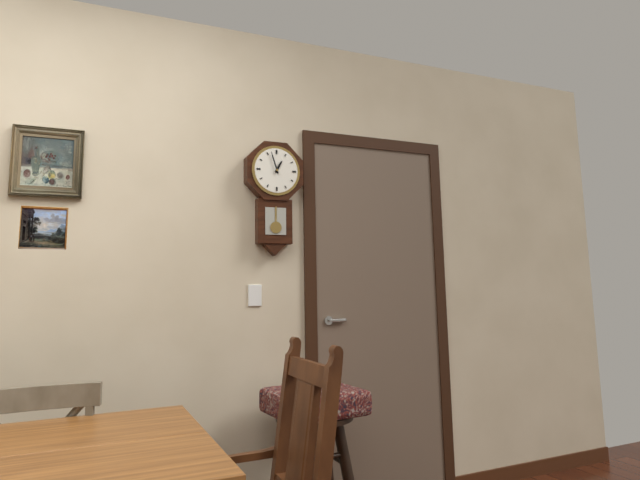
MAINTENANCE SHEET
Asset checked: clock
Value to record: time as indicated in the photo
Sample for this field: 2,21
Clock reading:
12,57
